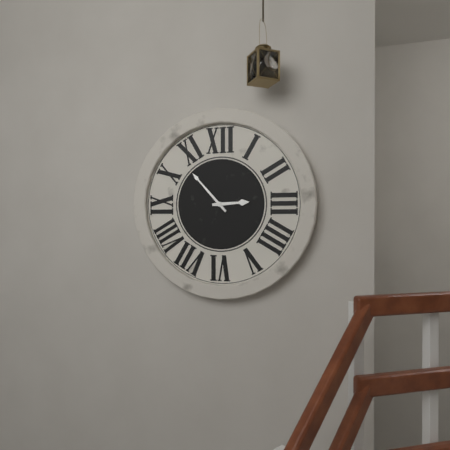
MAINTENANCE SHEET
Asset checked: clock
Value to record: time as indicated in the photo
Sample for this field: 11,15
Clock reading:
2,53
